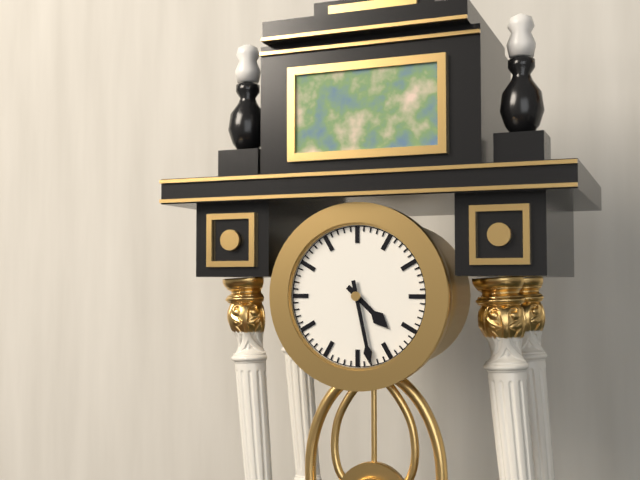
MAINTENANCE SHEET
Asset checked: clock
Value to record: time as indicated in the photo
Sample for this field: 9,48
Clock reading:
4,28
